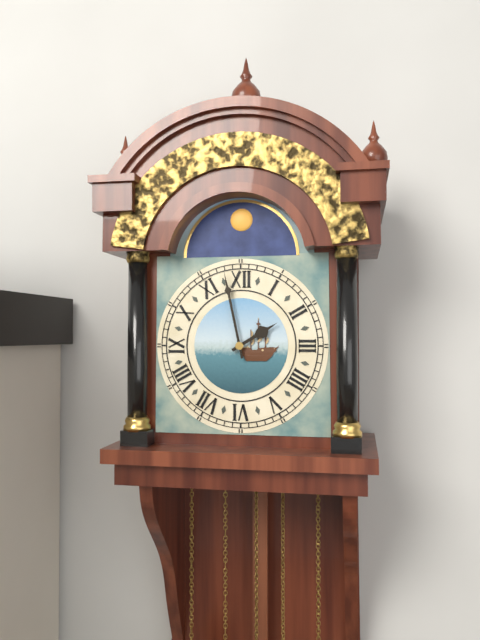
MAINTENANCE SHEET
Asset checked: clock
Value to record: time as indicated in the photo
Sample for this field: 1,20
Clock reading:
1,58
